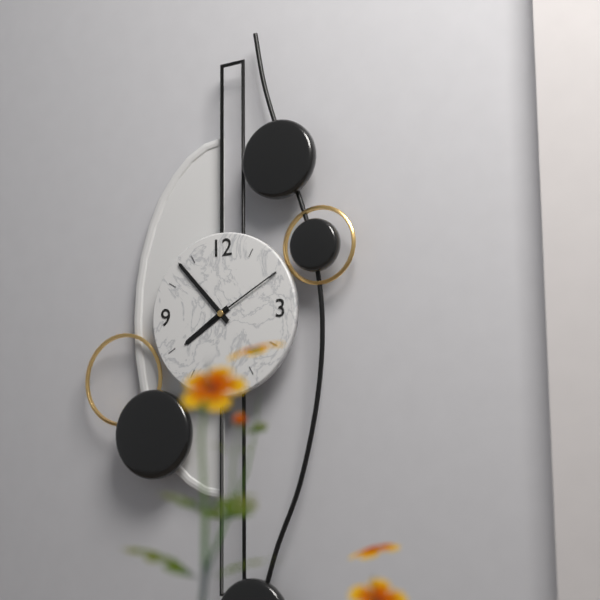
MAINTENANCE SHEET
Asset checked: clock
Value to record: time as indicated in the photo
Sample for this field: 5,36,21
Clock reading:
7,53,10
